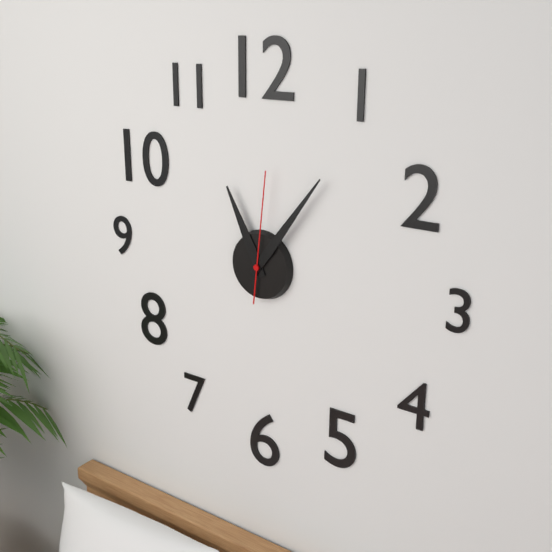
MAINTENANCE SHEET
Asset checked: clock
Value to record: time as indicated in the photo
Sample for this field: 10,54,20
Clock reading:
11,06,01
